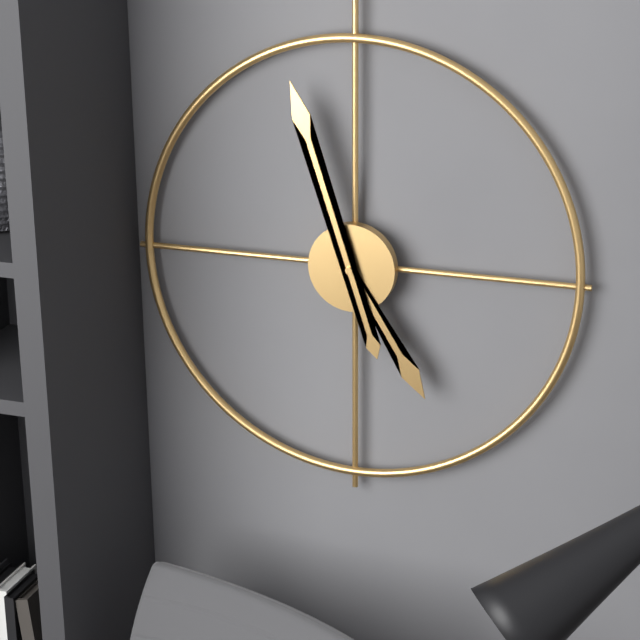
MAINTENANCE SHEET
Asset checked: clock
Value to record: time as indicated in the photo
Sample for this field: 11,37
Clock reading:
4,57
